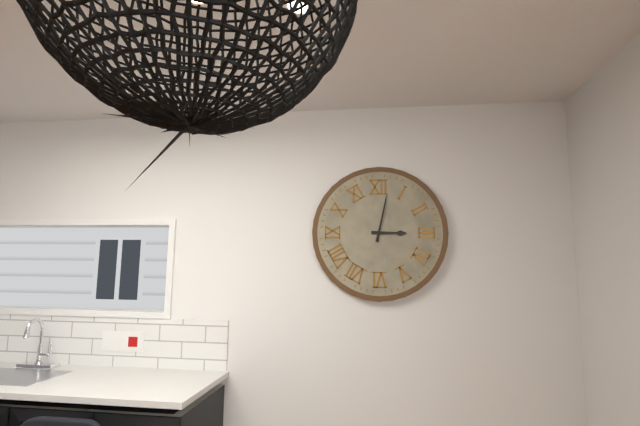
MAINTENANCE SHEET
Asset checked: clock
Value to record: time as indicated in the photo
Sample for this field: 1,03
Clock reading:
3,02
